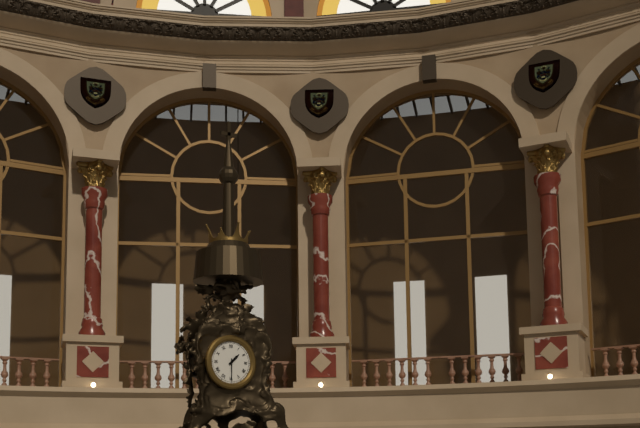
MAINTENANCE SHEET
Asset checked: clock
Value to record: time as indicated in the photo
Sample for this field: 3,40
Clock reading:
1,30
